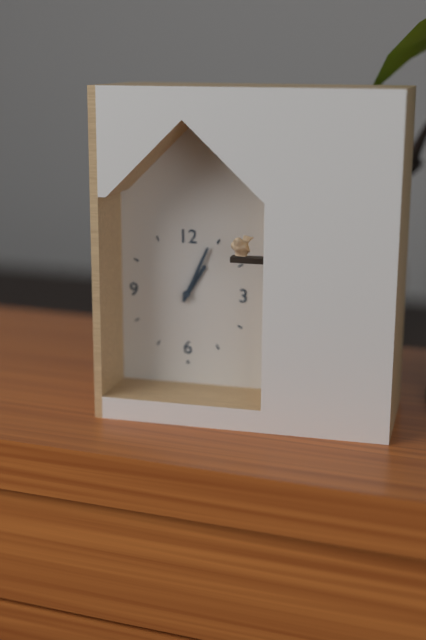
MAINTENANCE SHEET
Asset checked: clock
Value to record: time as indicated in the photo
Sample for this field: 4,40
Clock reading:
1,04
